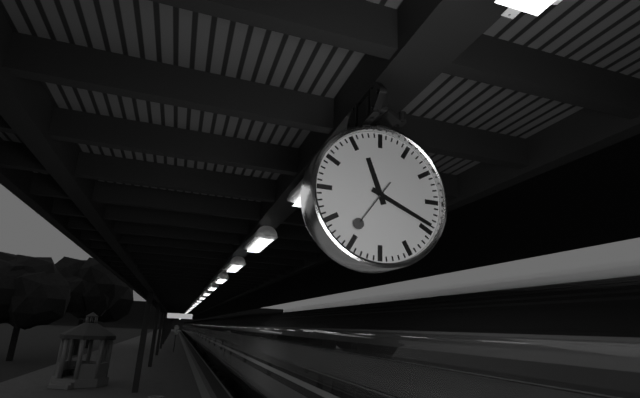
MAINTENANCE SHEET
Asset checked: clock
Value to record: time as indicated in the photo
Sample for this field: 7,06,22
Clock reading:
11,19,36
